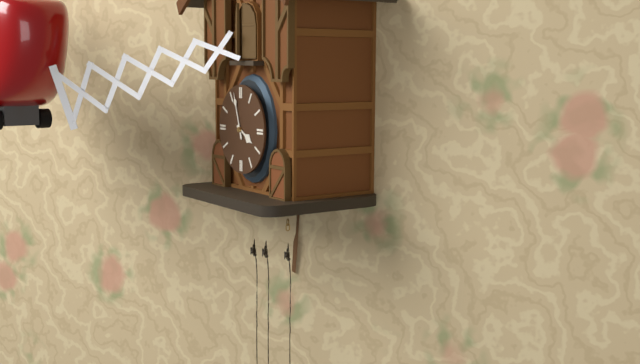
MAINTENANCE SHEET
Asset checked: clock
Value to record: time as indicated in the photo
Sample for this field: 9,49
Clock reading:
3,57
